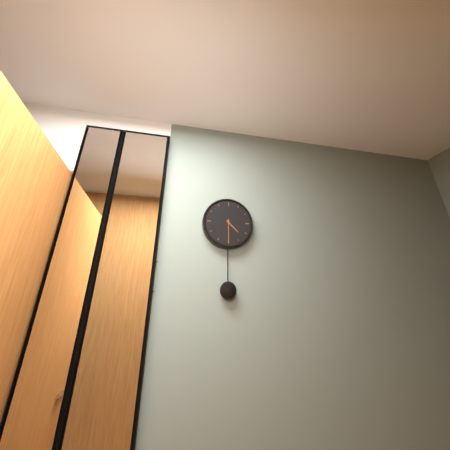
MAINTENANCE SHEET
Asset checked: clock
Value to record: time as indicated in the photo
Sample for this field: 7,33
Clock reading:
4,30
